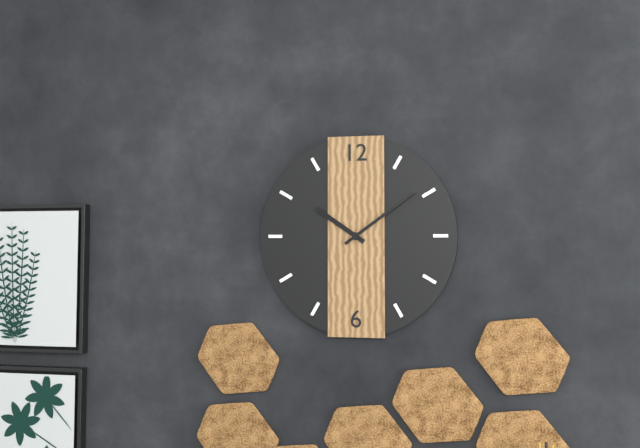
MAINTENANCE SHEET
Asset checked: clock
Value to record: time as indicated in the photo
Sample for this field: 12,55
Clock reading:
10,09
